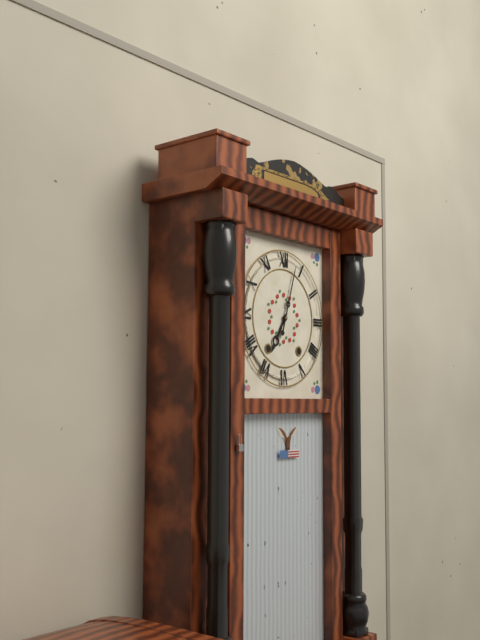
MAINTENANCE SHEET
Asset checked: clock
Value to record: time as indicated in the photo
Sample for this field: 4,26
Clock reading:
7,03
